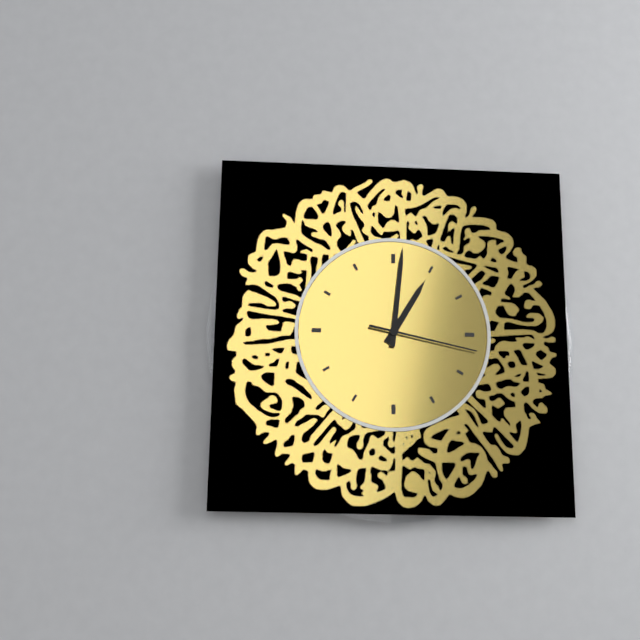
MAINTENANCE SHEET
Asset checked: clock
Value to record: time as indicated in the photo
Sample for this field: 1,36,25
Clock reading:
1,01,17
